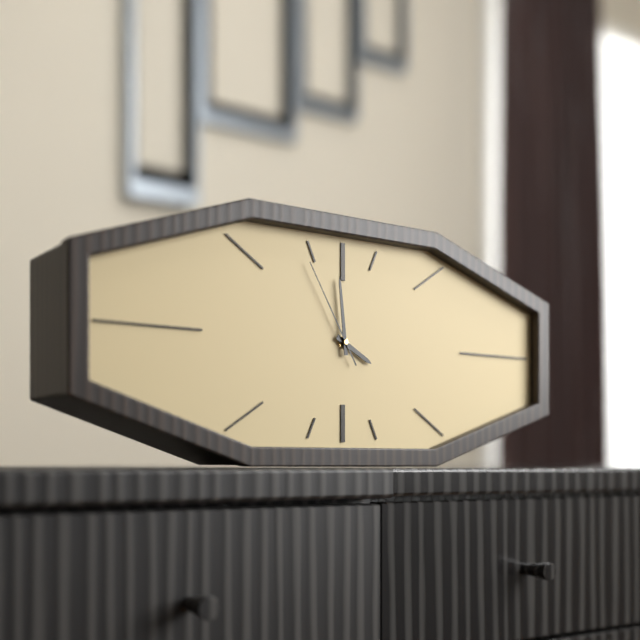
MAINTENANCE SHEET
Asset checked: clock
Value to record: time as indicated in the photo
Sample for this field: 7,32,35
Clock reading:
3,59,55
